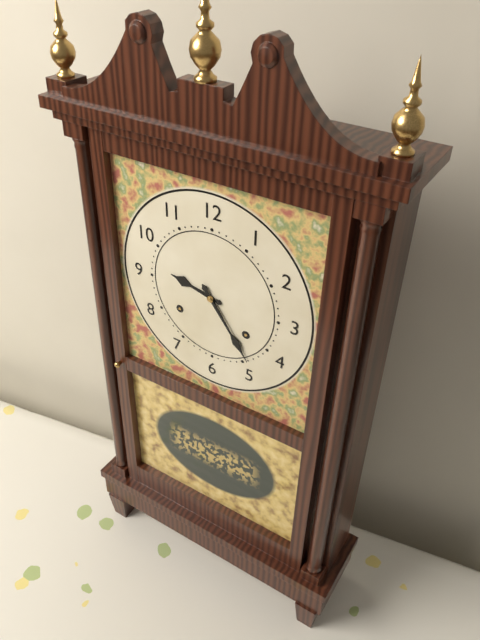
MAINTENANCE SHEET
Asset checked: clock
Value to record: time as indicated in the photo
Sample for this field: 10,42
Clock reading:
9,24
